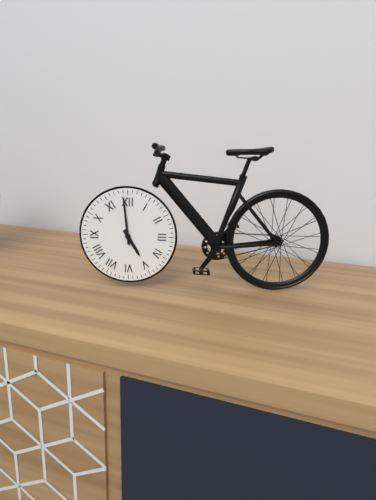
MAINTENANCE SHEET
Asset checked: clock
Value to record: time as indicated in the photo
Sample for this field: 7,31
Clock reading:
4,59
